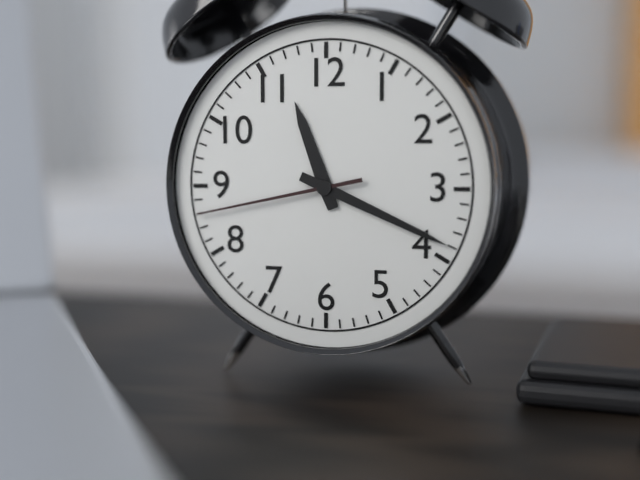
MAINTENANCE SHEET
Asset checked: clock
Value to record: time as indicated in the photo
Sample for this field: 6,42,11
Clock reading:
11,19,43
